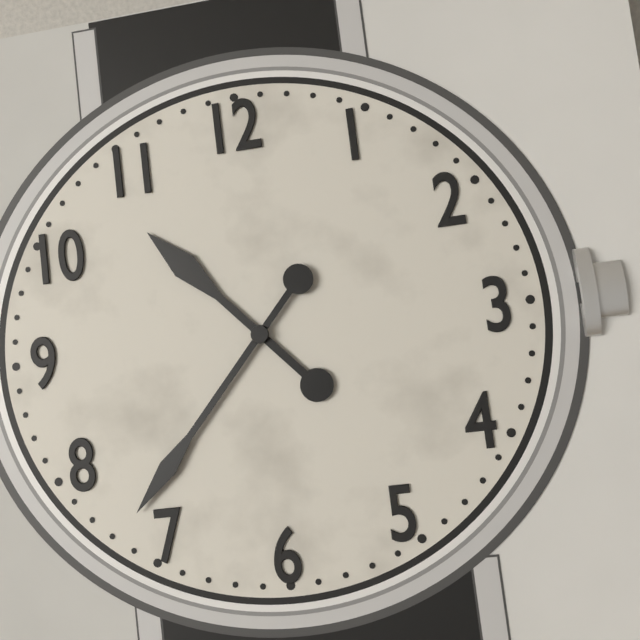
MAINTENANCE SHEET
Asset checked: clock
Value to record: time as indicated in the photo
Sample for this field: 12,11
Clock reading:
10,37
